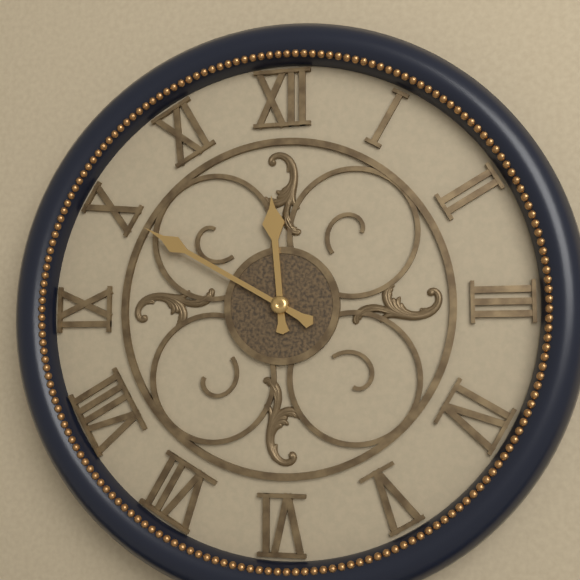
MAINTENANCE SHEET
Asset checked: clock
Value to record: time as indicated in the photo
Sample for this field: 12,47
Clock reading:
11,50
